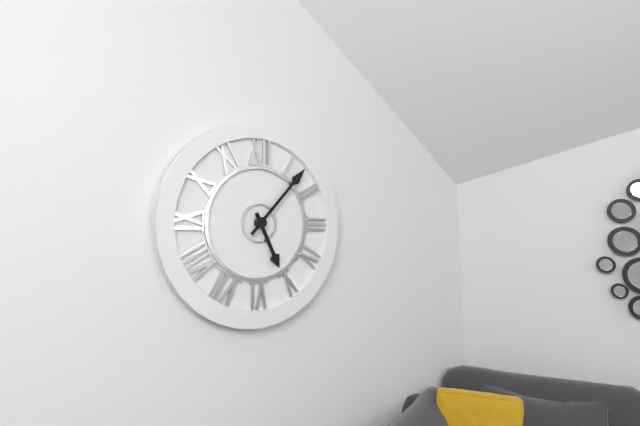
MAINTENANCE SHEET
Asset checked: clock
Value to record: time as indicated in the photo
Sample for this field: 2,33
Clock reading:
5,07
